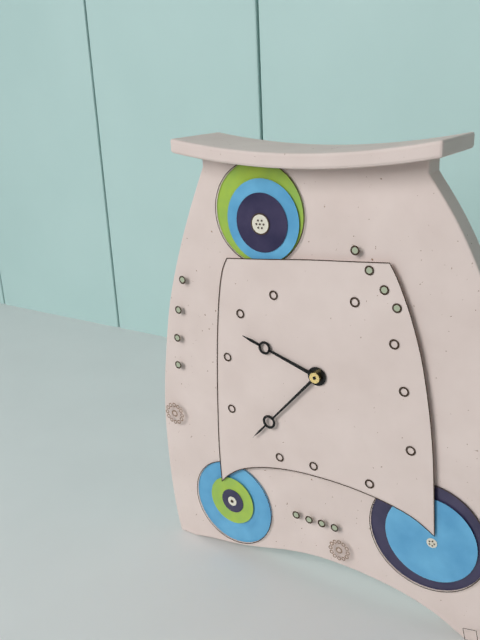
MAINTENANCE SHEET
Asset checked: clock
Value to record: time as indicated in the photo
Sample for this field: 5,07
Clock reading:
9,37
